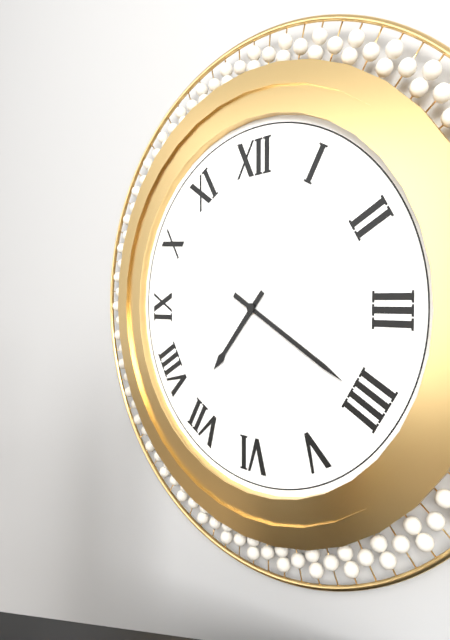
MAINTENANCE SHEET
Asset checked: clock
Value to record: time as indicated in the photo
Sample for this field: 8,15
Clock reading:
7,20
